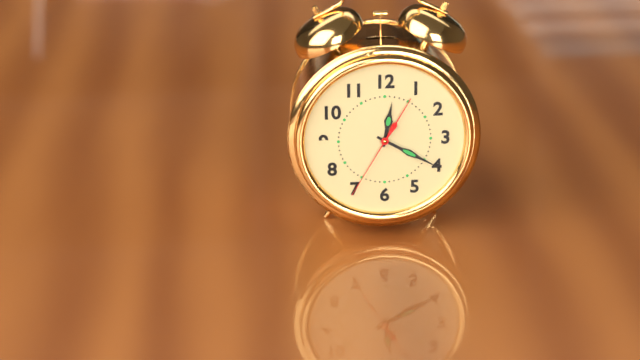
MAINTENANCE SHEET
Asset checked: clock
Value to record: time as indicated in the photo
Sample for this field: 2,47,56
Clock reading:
12,20,35
